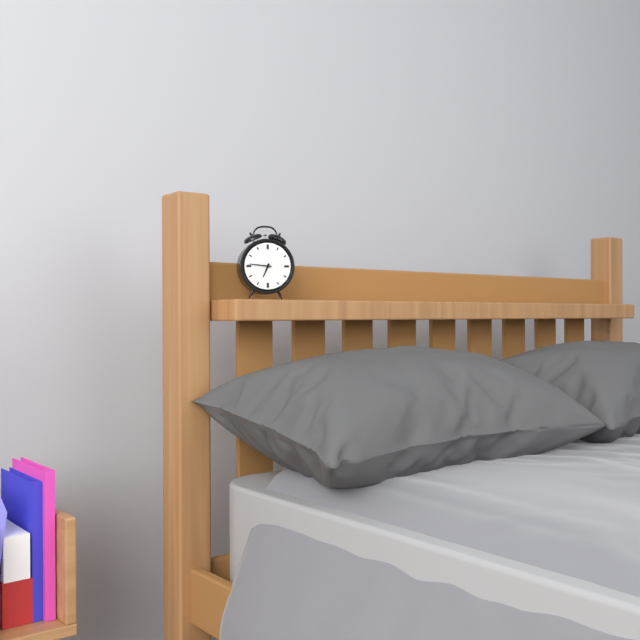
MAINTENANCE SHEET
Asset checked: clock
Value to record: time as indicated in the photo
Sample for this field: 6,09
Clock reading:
6,46
